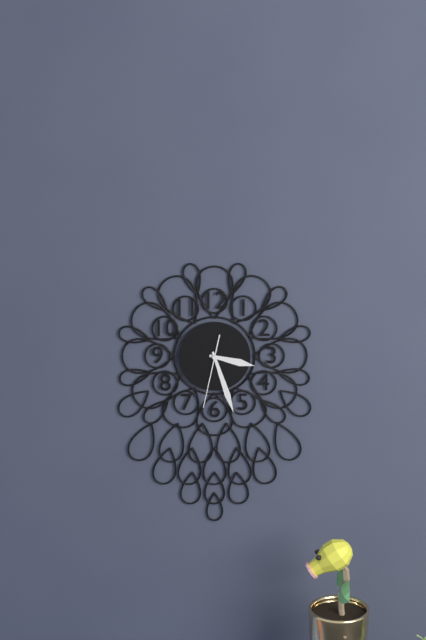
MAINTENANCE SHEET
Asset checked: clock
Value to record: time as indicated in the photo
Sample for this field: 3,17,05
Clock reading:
3,27,32
